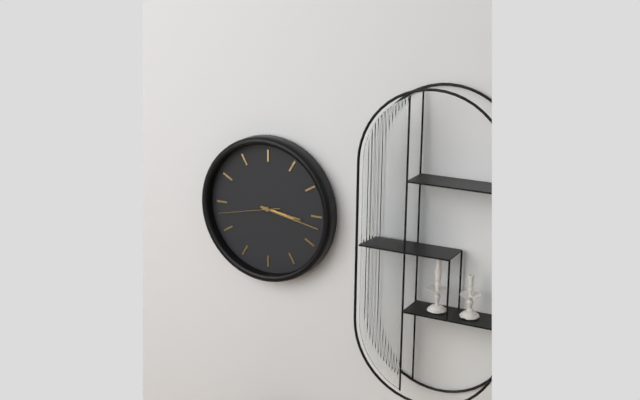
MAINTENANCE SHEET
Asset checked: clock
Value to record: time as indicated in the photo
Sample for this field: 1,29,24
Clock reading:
3,17,43
